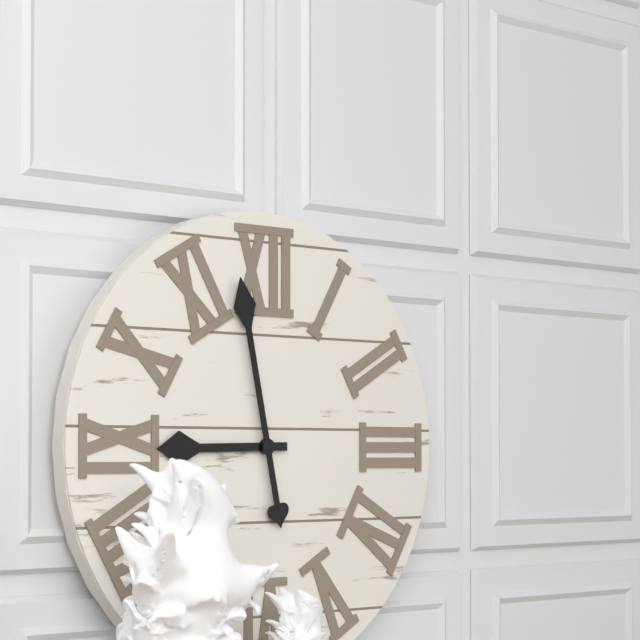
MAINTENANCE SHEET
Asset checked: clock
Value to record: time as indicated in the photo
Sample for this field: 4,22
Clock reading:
8,58
